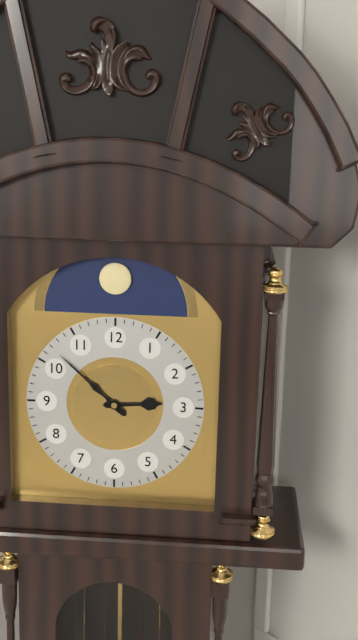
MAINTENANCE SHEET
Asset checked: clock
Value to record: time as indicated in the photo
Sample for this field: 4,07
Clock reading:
2,52
